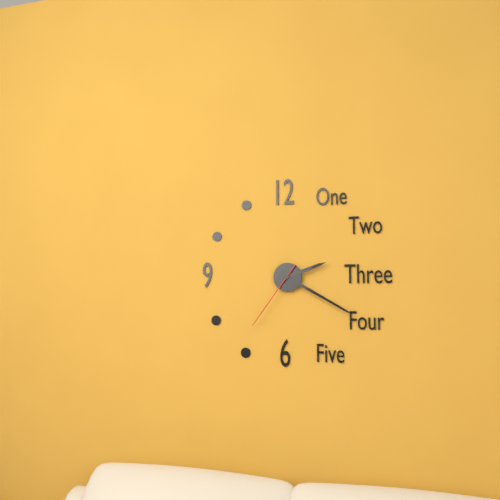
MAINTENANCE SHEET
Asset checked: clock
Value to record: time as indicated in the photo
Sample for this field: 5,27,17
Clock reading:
2,20,36
